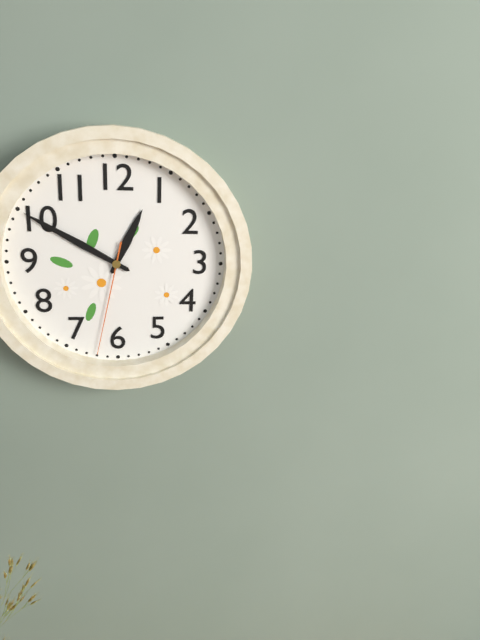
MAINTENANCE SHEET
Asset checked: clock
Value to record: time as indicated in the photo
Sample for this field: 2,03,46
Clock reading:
12,50,32
